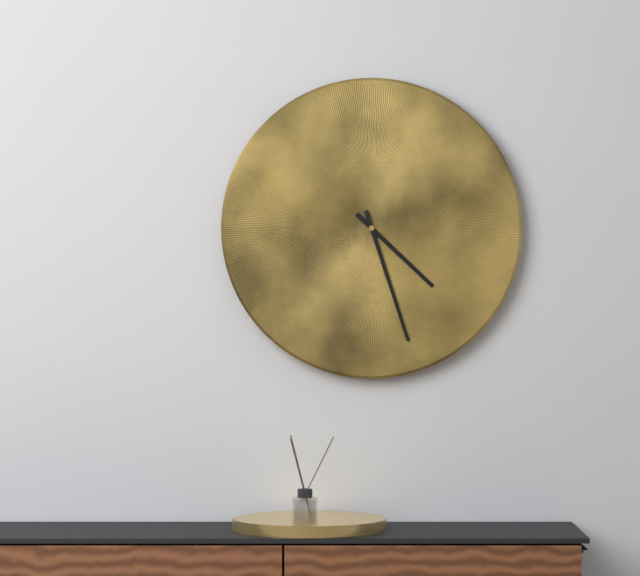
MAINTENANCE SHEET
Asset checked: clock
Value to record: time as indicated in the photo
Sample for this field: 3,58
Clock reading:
4,27
